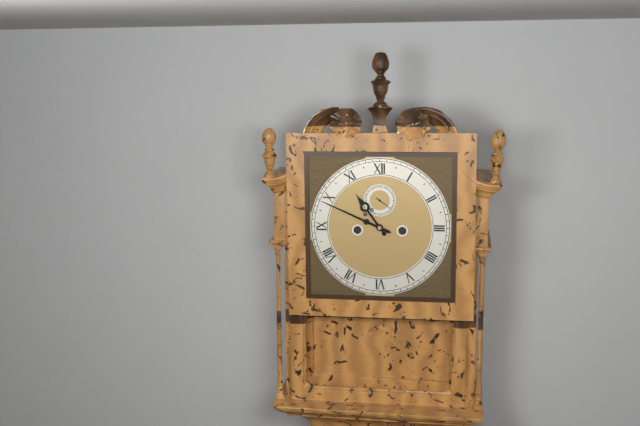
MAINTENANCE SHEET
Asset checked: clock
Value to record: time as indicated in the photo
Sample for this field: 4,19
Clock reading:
10,49
